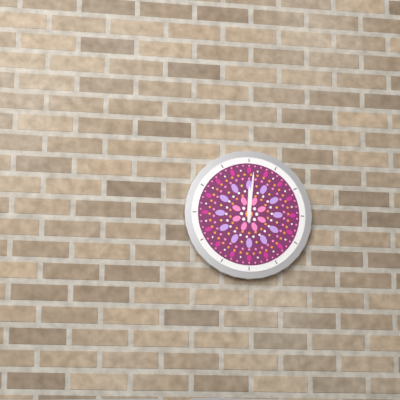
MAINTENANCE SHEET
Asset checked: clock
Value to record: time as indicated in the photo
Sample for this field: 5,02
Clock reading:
12,01
